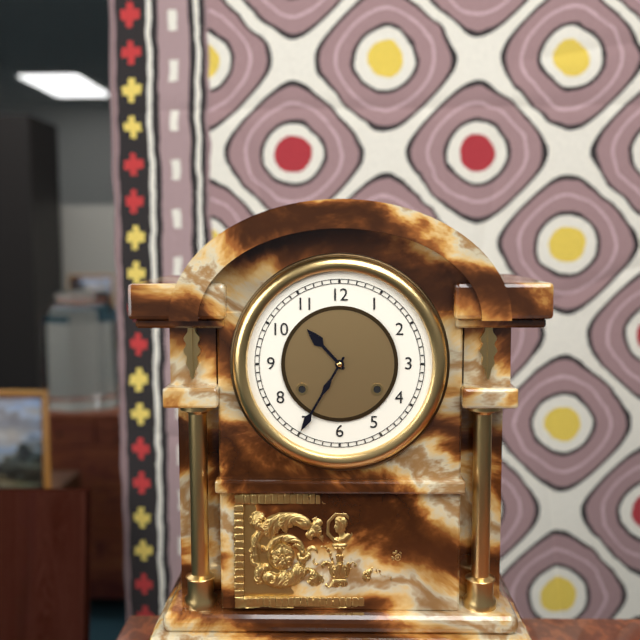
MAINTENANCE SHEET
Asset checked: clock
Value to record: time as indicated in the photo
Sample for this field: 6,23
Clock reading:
10,35
